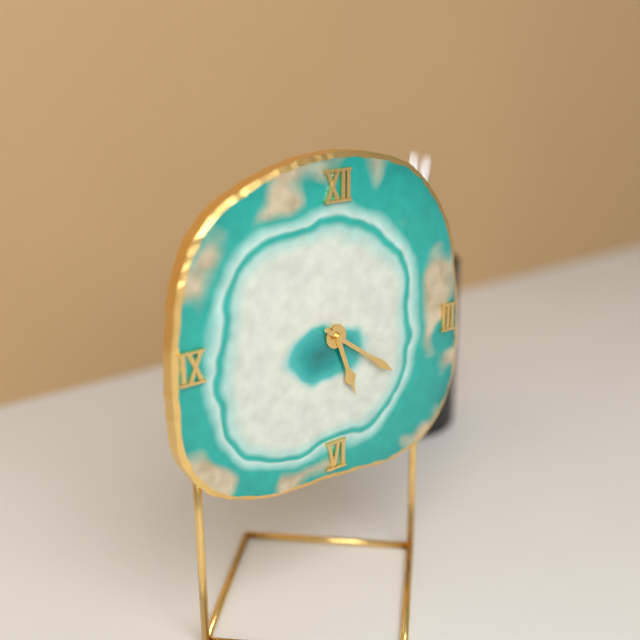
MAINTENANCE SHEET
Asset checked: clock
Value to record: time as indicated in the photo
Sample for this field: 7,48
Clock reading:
5,21
